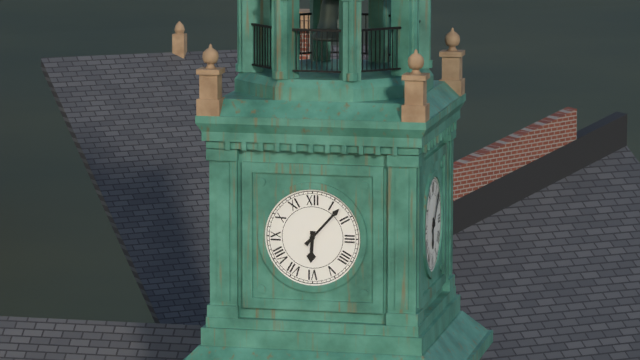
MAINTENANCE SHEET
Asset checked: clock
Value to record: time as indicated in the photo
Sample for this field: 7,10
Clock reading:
6,07
